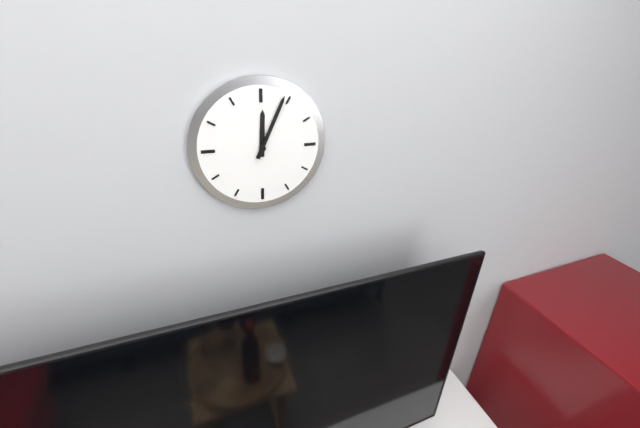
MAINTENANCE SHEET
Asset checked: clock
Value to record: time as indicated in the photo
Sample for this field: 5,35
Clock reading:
12,04
